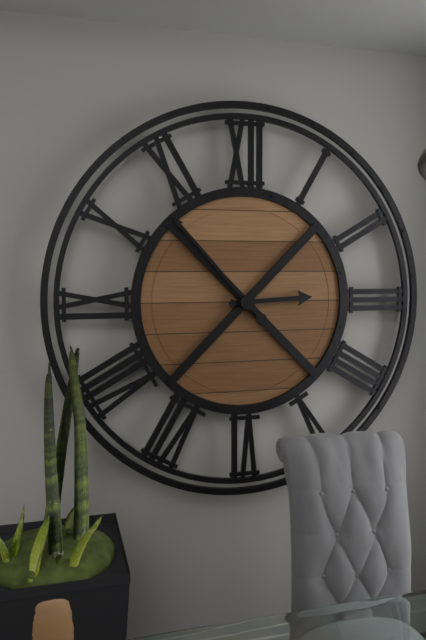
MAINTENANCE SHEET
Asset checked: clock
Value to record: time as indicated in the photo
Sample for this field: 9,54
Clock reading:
2,53
